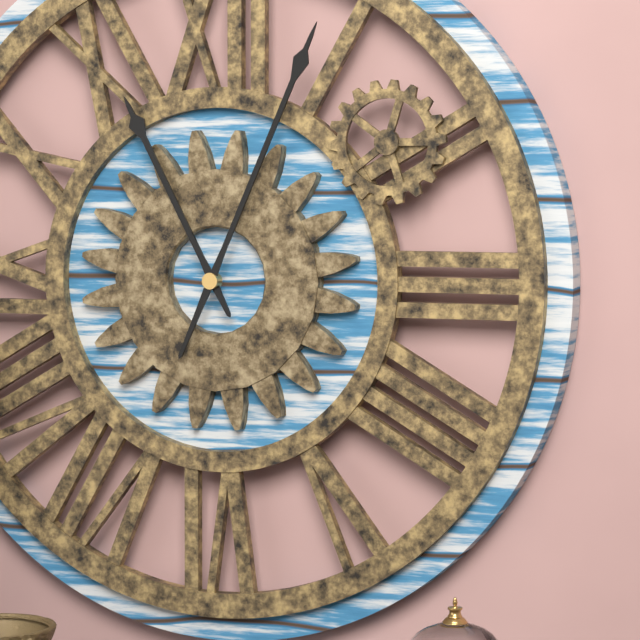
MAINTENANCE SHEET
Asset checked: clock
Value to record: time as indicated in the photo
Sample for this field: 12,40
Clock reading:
11,04
